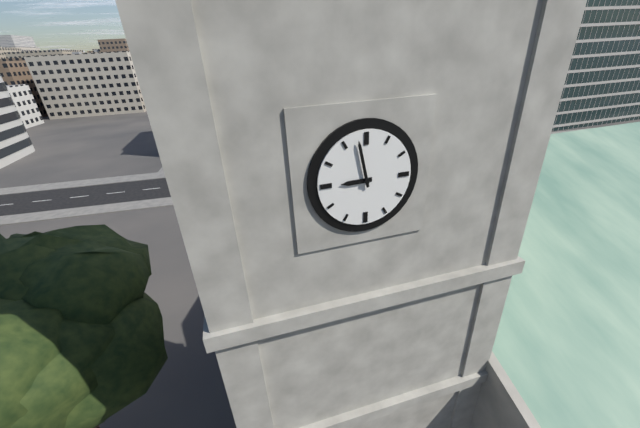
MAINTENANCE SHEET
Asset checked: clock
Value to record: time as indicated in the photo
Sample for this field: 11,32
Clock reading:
8,58
